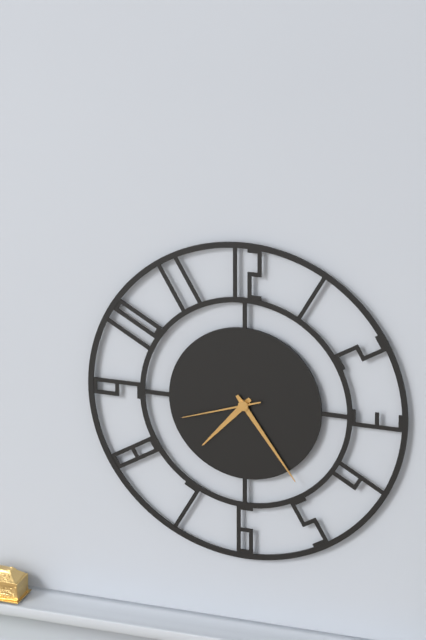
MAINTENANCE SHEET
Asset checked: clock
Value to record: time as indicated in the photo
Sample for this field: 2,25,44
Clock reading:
7,24,42
